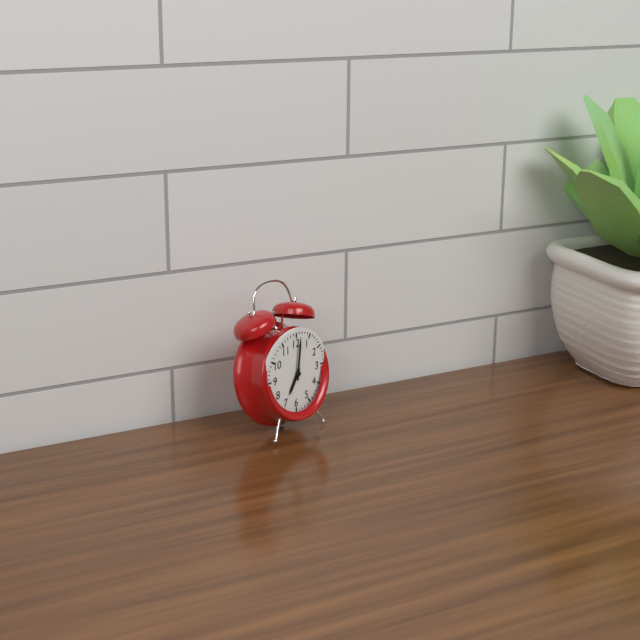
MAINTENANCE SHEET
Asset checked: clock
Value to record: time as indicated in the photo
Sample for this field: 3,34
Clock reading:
7,01
